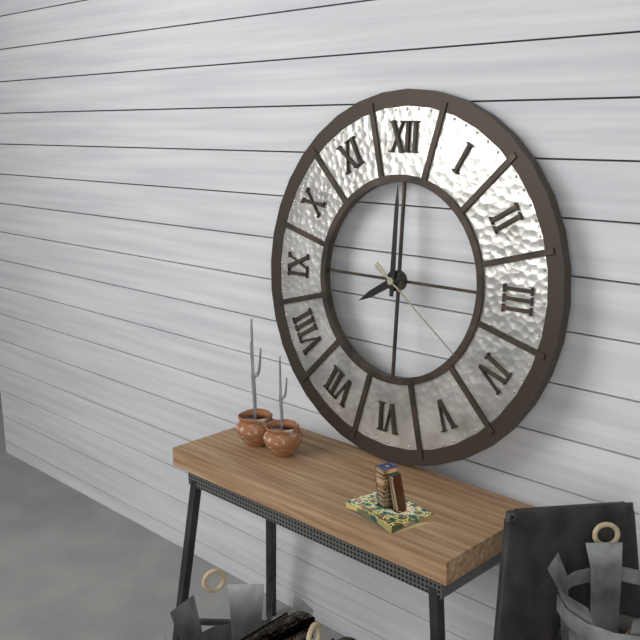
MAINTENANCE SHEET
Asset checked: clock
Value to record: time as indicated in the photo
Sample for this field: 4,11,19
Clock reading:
8,00,21
